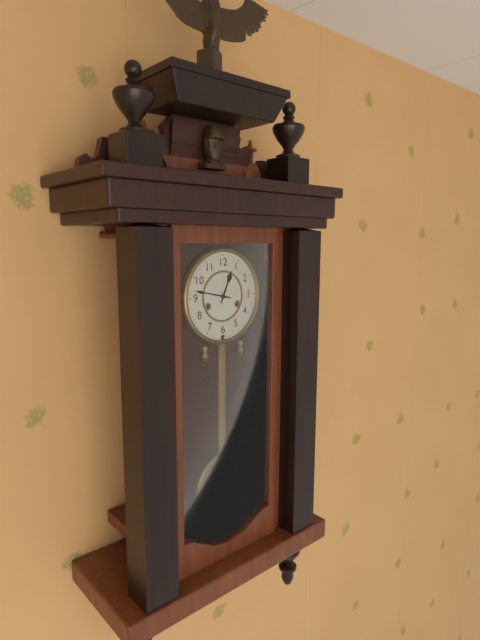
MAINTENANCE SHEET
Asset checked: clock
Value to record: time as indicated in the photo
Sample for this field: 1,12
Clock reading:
12,47
